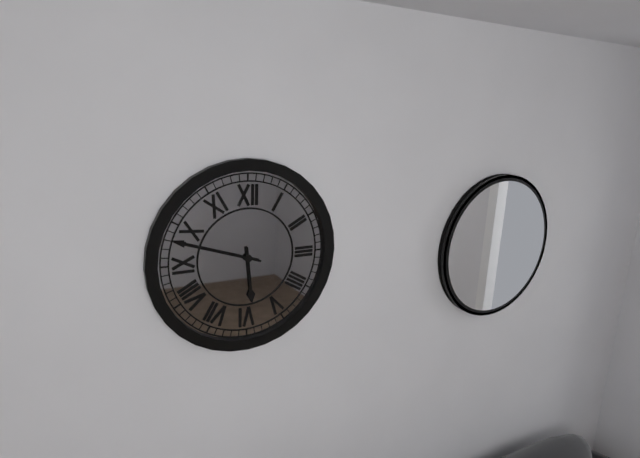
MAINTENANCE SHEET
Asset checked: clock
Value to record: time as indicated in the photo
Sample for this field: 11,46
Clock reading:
5,48
